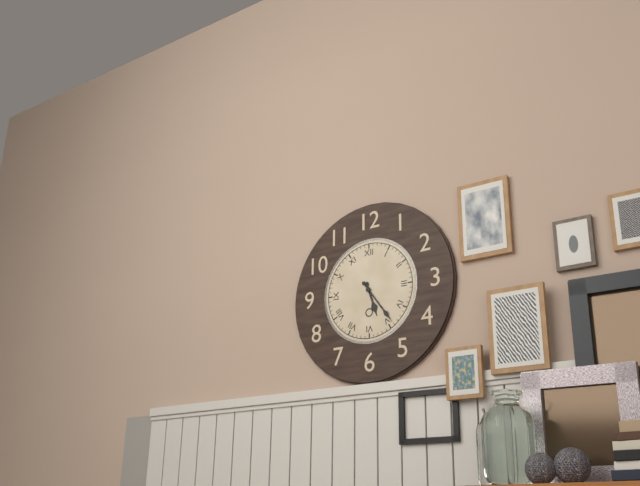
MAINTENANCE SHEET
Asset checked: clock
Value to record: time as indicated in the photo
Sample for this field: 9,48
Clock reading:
5,24
